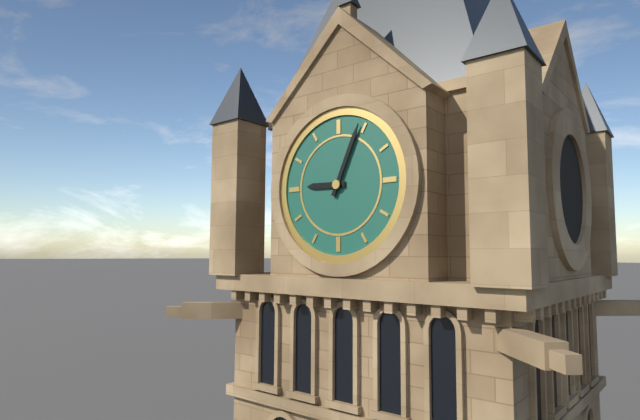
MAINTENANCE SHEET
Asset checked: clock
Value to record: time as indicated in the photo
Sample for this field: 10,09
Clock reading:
9,04
